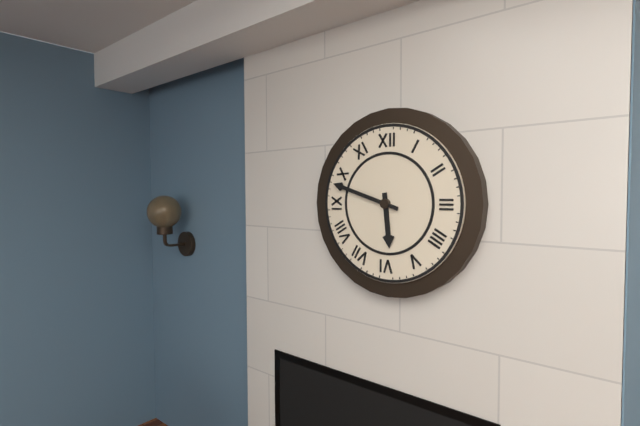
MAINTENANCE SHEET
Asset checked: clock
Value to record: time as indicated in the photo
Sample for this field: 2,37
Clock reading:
5,48
